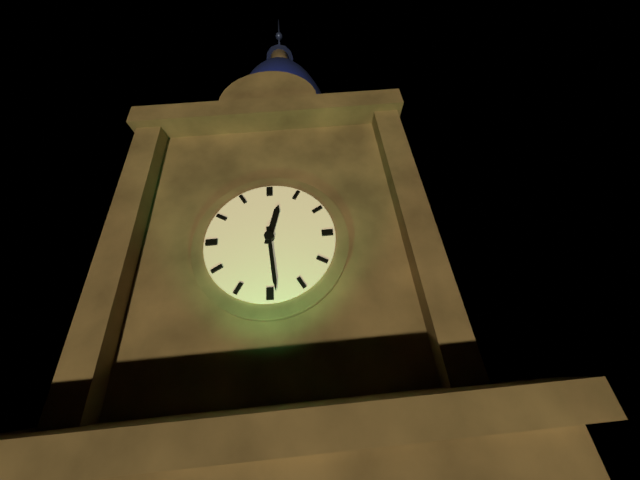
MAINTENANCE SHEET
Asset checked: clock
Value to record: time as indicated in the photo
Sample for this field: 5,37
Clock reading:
12,29
